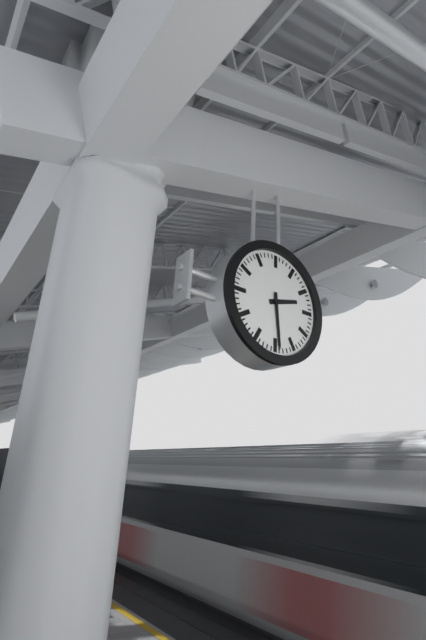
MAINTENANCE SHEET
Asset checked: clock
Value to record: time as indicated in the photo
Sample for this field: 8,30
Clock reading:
2,29
